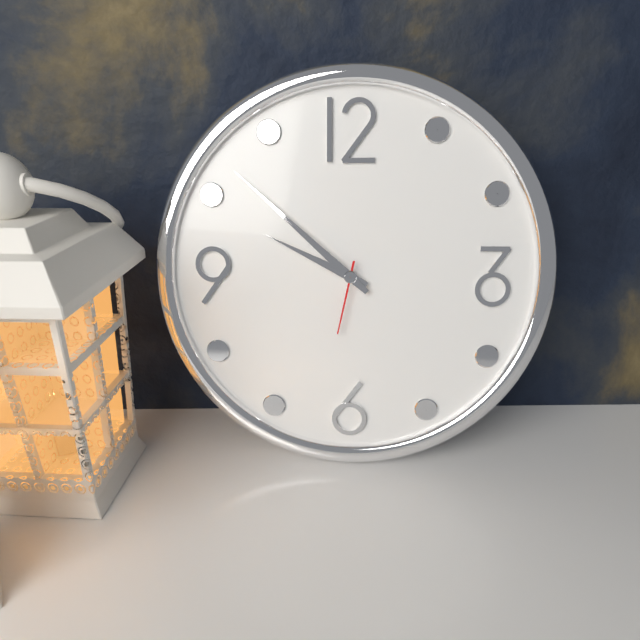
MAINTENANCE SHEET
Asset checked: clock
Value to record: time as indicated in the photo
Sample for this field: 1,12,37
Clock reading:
9,52,32
